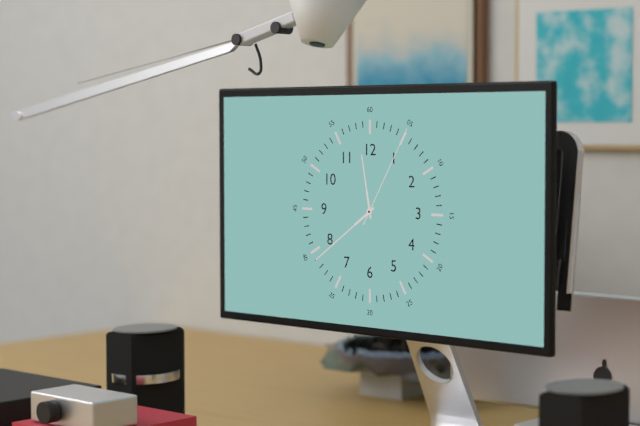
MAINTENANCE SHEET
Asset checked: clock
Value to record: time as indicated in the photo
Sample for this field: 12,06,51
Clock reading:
11,39,05
